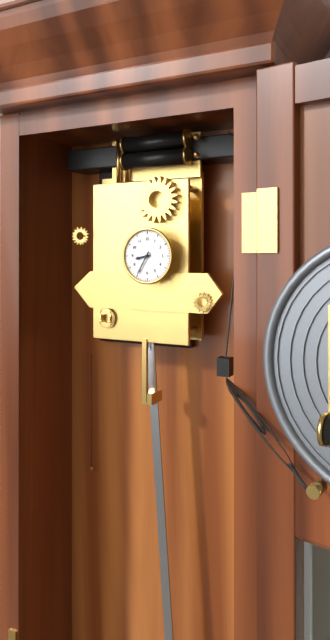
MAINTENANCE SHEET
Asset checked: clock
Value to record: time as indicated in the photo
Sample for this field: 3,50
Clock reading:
8,35
